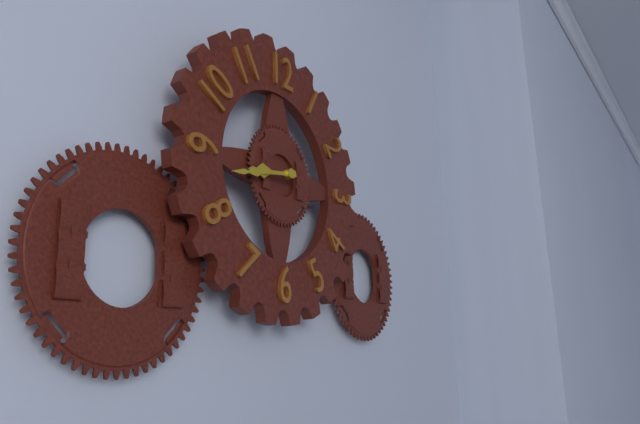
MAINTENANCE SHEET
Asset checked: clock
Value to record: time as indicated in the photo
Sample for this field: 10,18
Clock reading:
8,43
